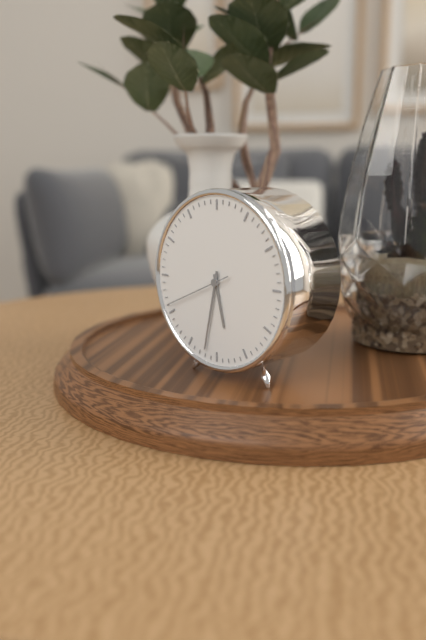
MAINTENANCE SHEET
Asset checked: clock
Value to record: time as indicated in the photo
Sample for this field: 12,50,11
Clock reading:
5,32,41
